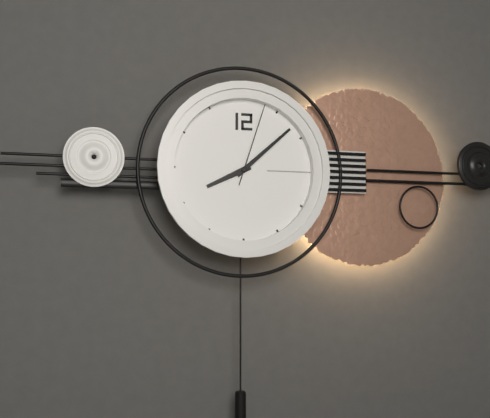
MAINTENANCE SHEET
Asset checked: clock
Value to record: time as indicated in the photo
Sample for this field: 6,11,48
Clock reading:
8,08,03
